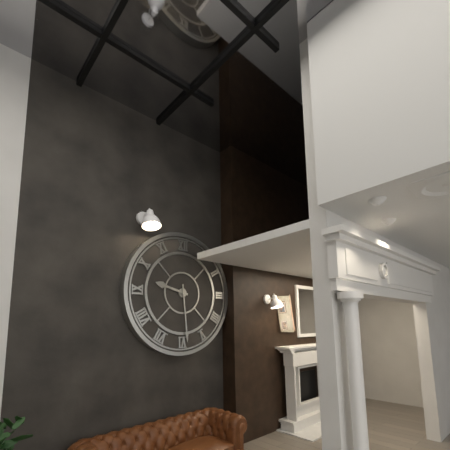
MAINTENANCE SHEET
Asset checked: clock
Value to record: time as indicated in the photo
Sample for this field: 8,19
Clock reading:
9,29
